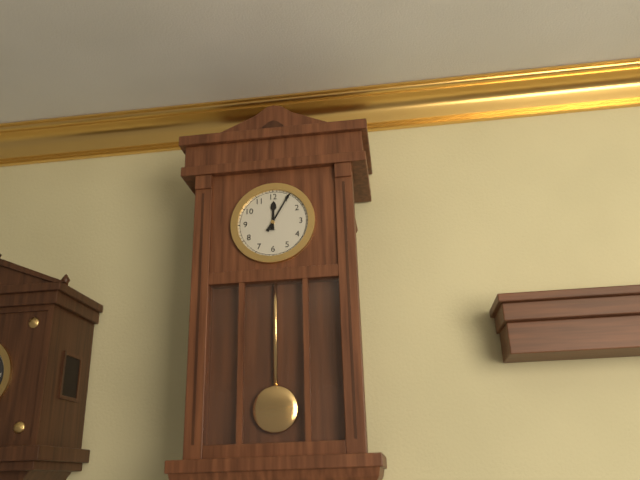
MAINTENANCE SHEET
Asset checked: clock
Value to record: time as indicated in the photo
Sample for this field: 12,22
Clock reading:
12,05
